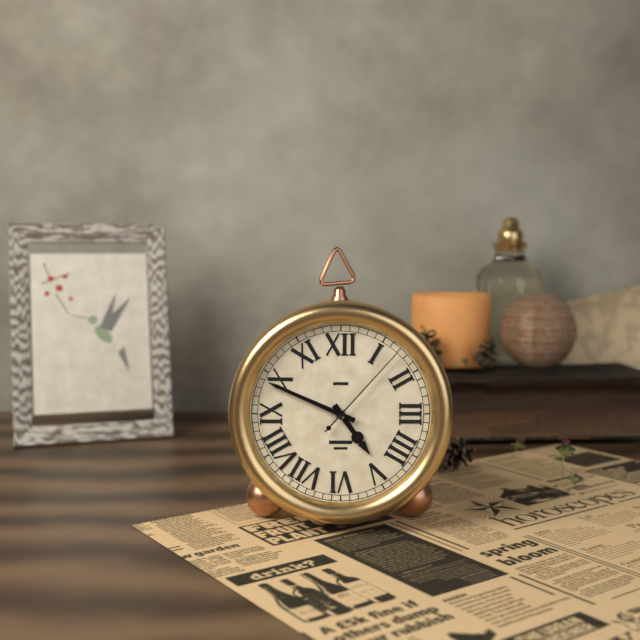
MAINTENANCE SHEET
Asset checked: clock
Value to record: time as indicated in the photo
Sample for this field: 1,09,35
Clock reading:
4,49,07
